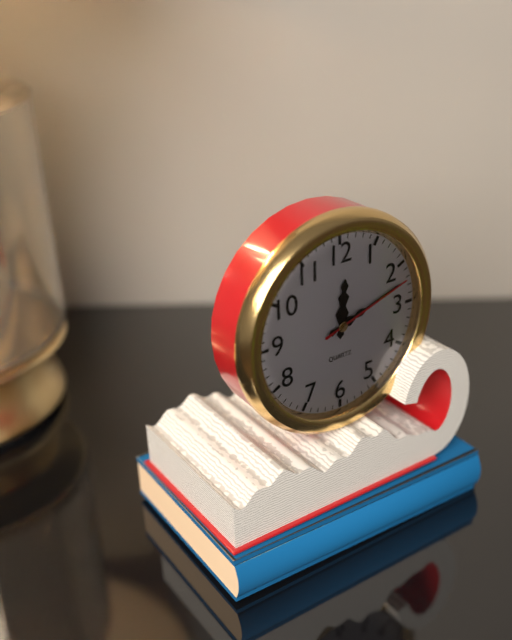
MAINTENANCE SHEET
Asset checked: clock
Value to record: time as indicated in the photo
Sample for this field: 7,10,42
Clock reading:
12,12,12
